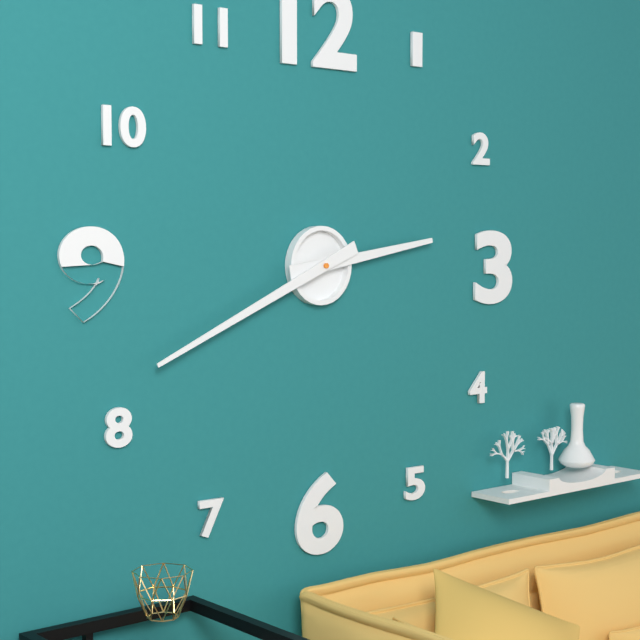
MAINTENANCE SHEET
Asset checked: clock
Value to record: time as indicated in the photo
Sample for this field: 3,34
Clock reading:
2,41
